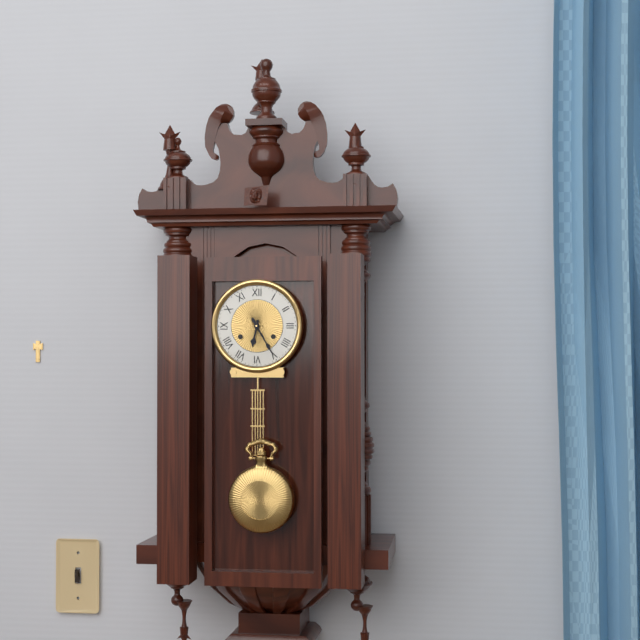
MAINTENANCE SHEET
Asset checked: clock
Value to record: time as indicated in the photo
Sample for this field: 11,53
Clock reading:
6,25
